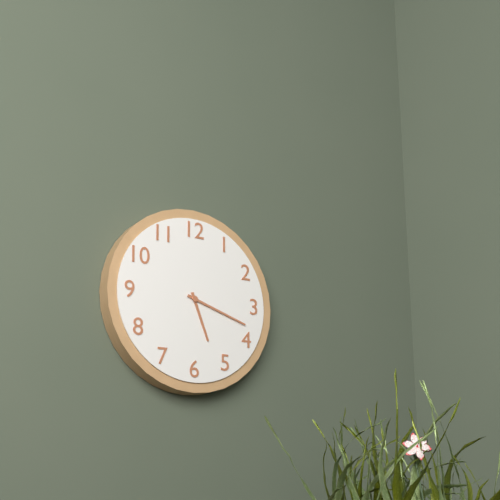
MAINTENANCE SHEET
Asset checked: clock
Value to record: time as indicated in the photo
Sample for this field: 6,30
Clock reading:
5,18
